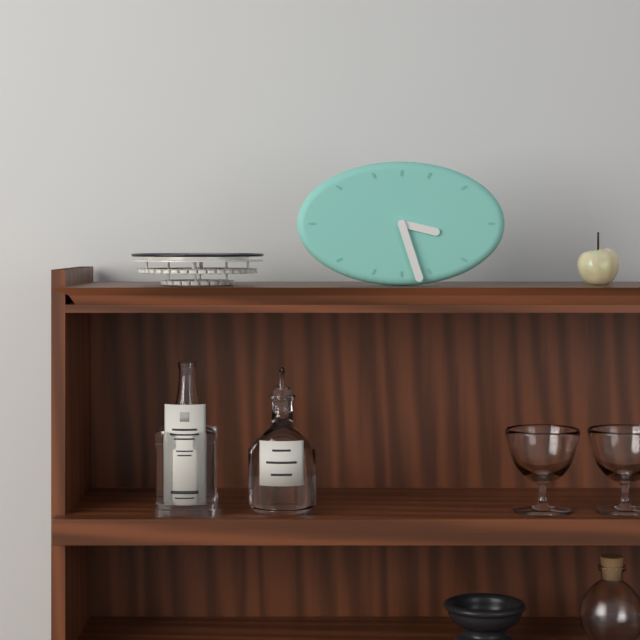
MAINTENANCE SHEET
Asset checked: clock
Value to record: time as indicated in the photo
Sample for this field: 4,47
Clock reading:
3,27
